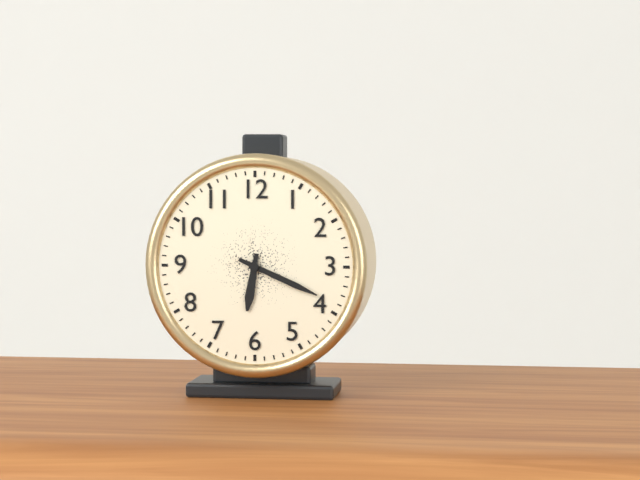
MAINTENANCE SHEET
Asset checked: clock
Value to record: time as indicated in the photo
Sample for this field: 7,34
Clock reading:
6,19
